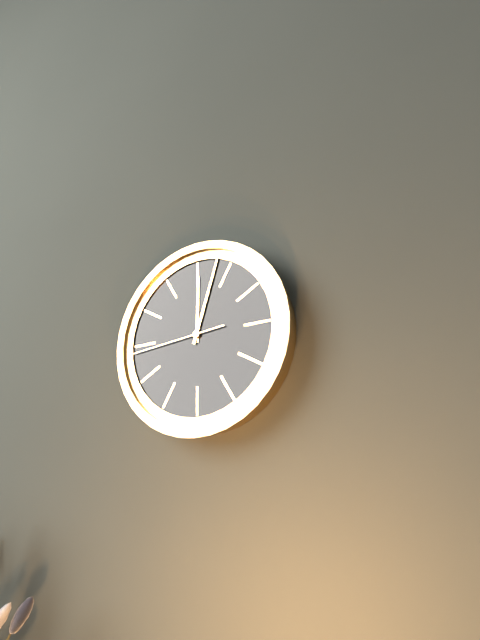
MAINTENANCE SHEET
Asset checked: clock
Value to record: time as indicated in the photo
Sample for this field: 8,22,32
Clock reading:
12,03,44
